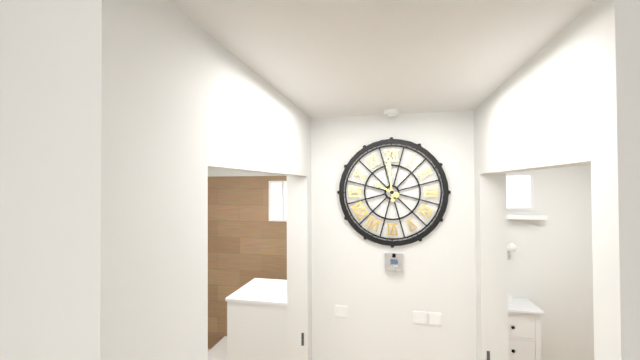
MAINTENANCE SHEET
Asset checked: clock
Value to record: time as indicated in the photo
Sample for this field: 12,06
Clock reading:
9,59
